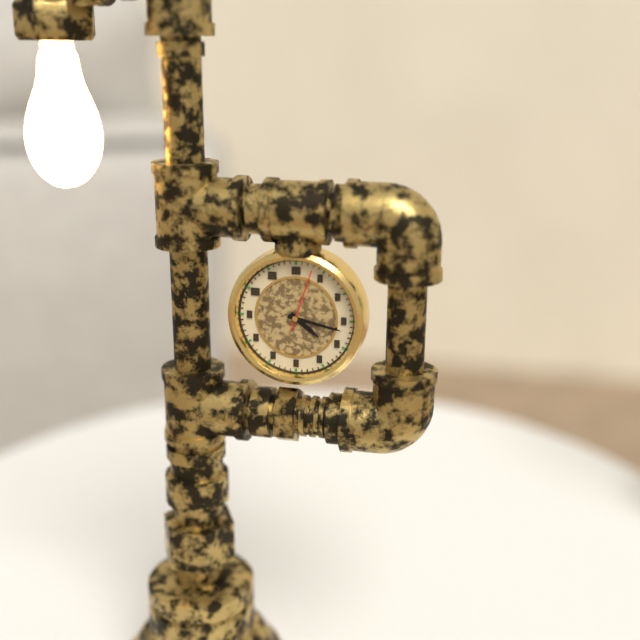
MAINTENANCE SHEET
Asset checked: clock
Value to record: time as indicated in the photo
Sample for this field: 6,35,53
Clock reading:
4,17,03
